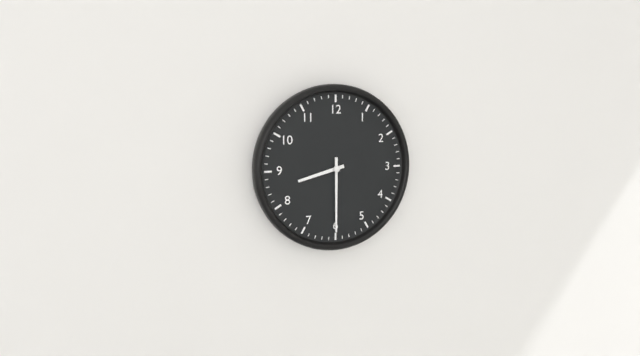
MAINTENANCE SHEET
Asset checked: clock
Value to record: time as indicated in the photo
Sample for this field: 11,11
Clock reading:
8,30
